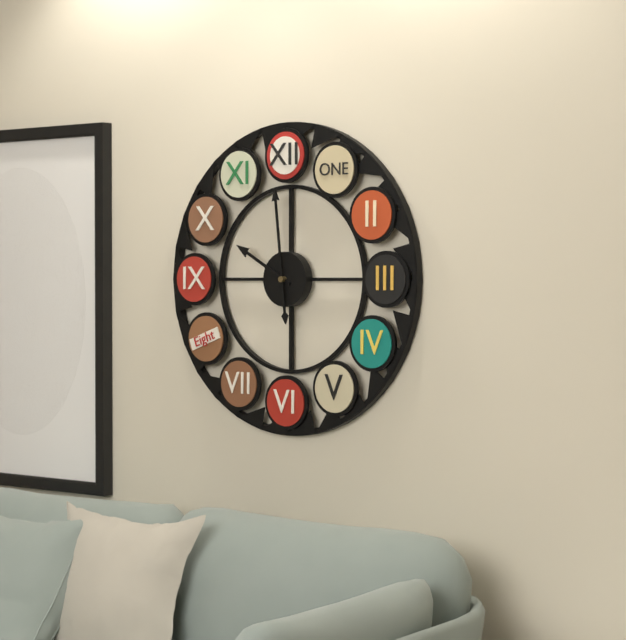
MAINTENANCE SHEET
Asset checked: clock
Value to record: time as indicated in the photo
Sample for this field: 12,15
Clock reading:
9,59
